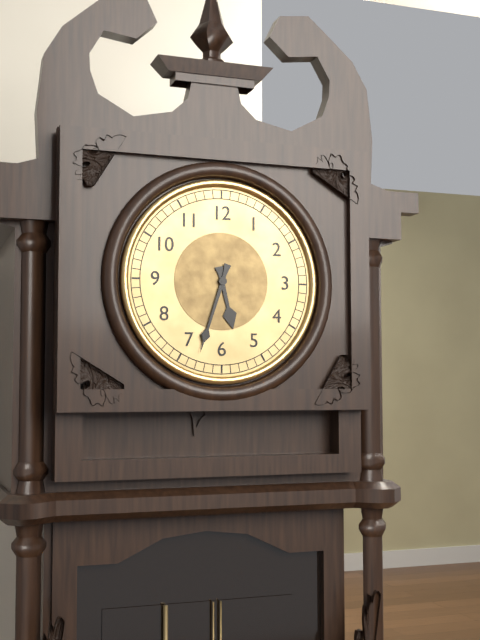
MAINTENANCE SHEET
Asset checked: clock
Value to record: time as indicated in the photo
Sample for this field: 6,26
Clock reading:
5,33
